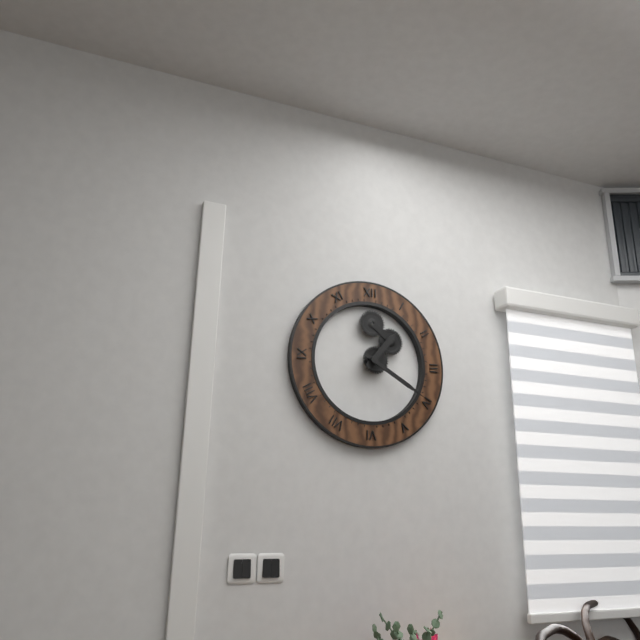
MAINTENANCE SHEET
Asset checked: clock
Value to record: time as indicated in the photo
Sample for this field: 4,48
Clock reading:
1,20
